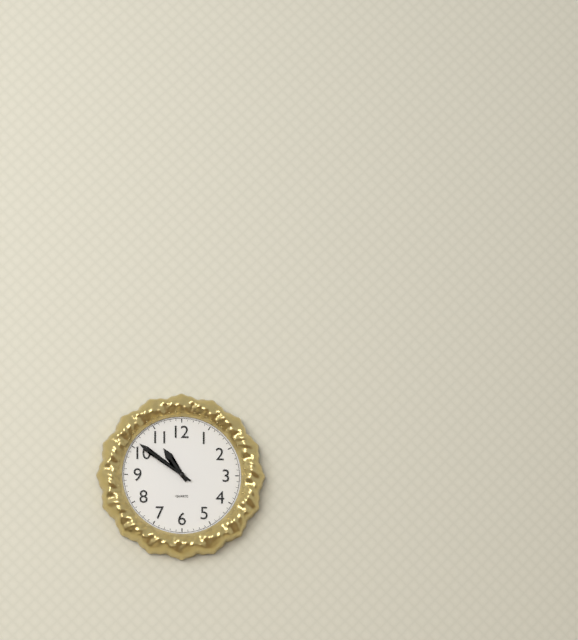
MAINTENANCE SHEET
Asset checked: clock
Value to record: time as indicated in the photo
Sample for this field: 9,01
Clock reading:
10,51
